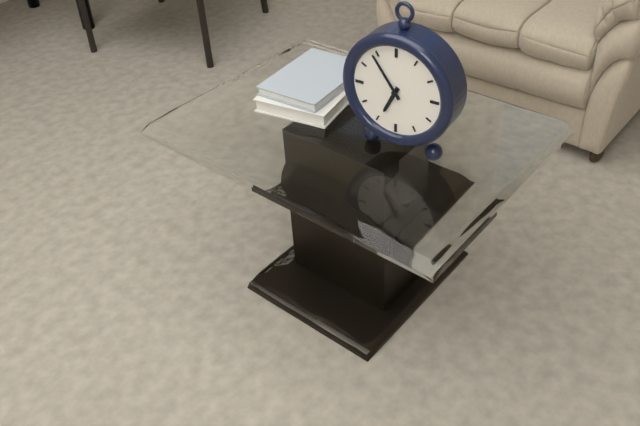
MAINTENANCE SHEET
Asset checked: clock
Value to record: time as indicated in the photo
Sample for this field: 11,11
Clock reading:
6,54
